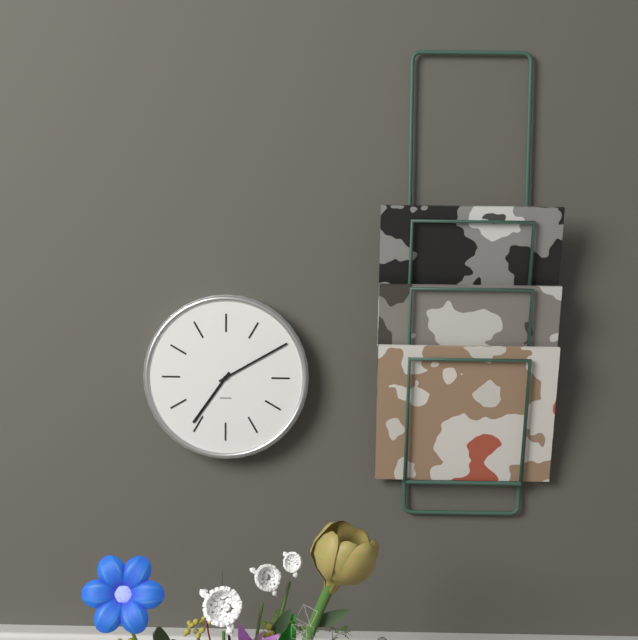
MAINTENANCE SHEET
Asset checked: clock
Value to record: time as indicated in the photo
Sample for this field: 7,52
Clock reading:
7,10
